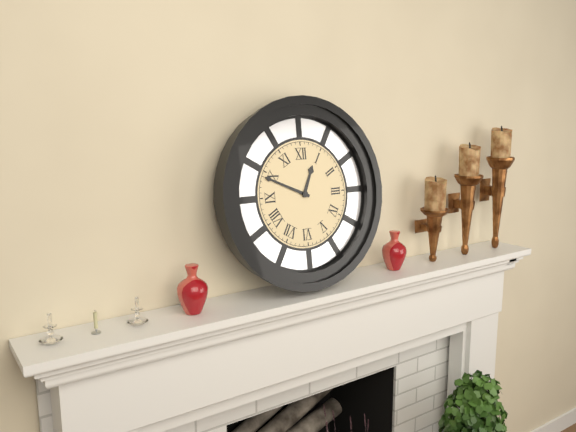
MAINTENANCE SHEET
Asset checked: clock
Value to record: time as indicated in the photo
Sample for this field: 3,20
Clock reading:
12,49
